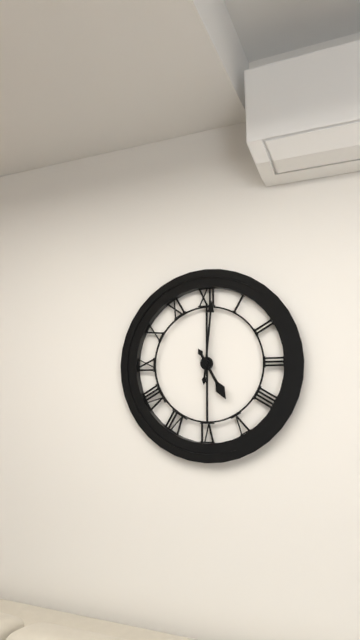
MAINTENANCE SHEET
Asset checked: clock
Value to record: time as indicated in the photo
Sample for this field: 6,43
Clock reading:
5,01
